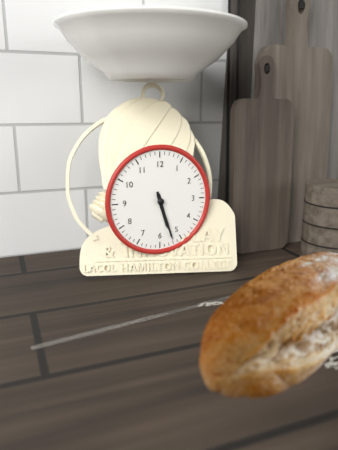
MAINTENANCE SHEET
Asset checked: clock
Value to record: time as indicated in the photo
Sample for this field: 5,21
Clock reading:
5,27
